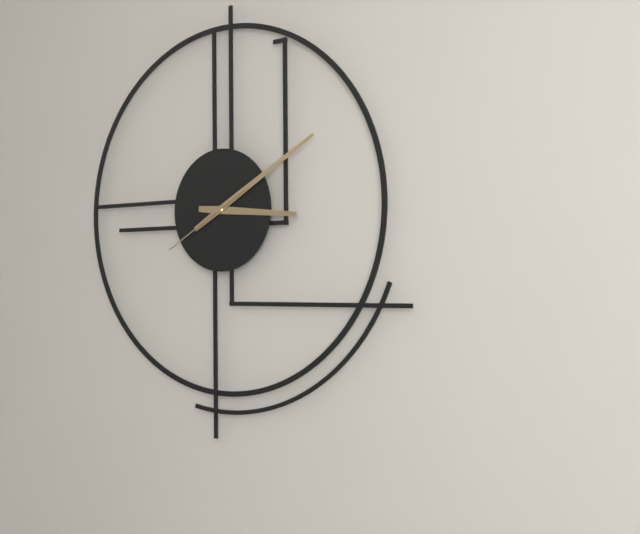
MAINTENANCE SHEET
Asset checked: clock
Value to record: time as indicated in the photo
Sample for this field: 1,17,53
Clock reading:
3,10,40
